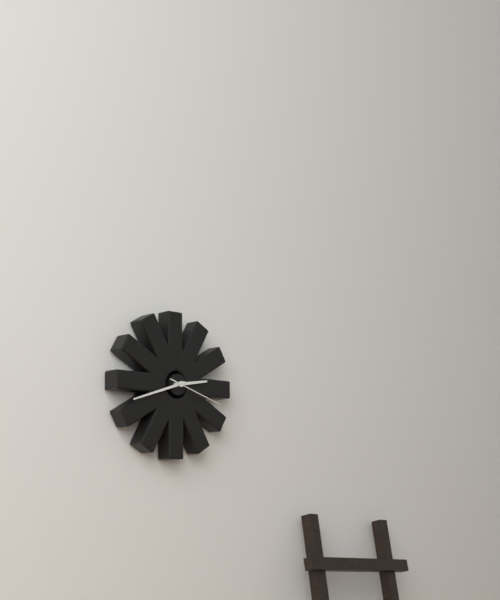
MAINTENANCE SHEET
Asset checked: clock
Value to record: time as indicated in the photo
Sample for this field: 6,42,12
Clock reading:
2,42,18
